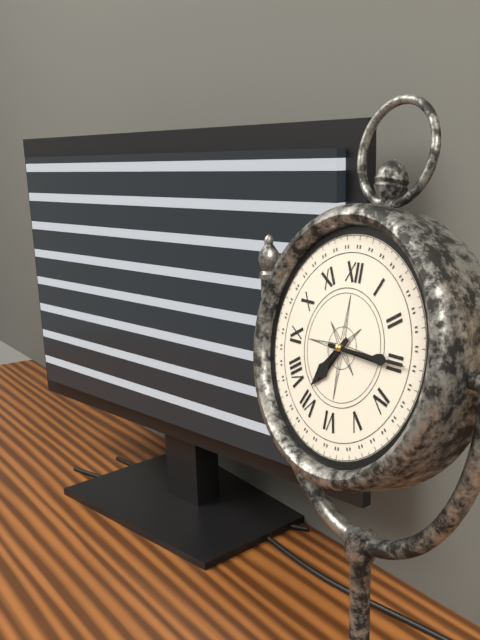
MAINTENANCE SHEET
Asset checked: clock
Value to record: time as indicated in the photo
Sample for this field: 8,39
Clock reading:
7,15
